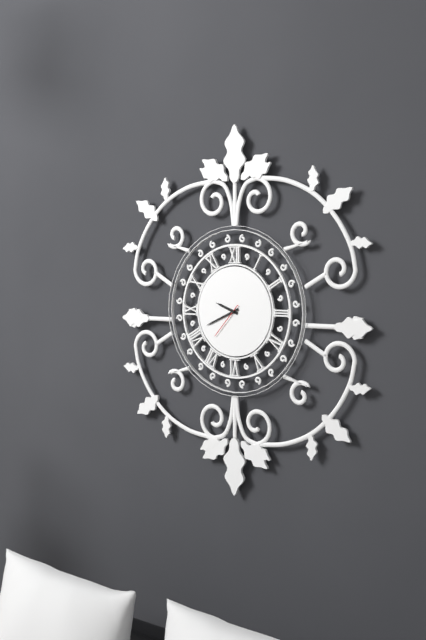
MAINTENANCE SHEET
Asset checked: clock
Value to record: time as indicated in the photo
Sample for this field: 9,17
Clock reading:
9,41
